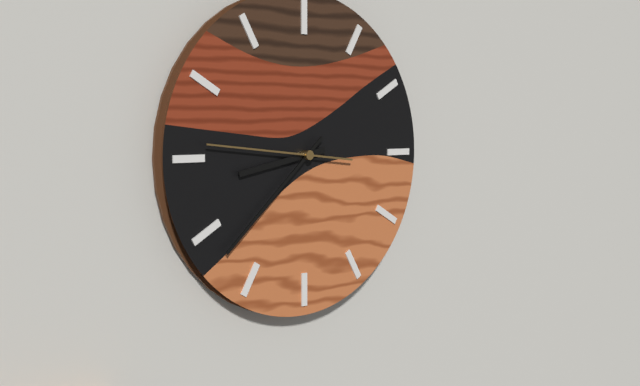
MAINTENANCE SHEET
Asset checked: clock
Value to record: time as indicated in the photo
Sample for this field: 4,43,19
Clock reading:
8,38,46
